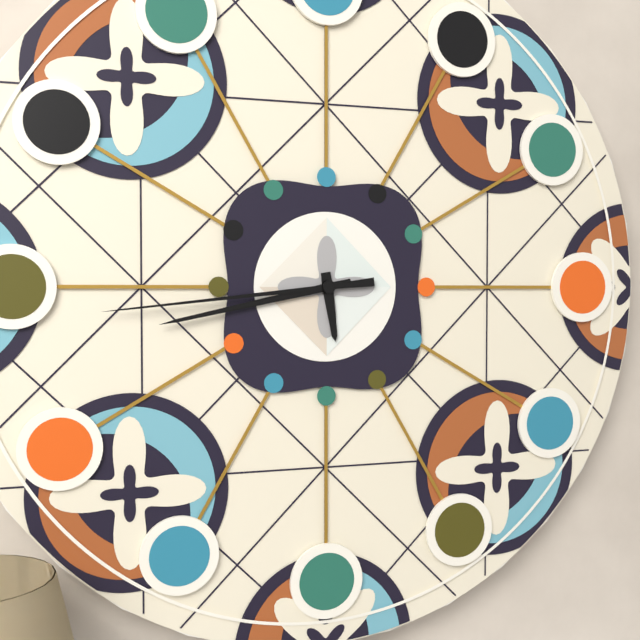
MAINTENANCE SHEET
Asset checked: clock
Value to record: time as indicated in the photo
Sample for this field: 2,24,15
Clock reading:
5,43,44
